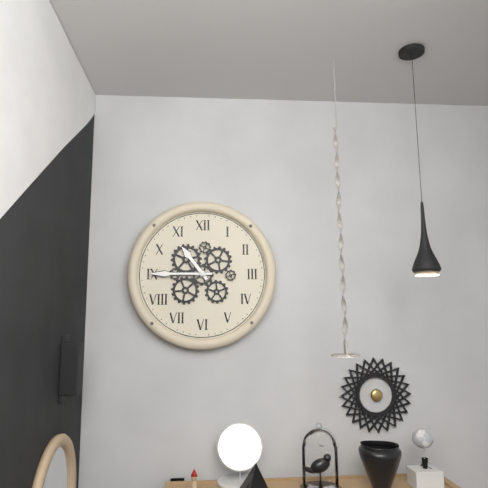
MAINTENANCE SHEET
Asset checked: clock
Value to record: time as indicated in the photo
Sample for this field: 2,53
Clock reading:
10,45
